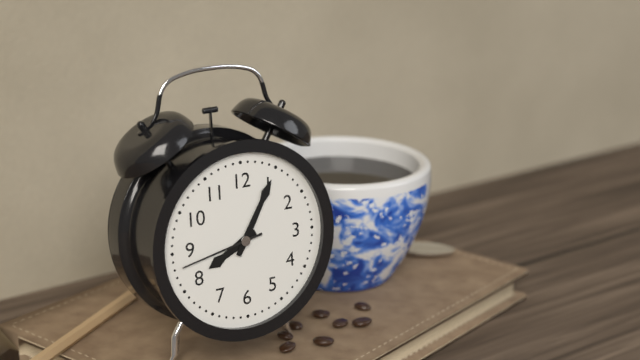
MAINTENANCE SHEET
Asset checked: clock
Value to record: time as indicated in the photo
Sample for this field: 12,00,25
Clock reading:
8,05,43
